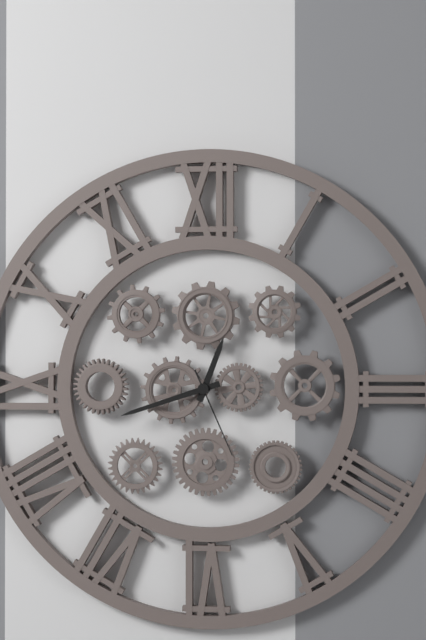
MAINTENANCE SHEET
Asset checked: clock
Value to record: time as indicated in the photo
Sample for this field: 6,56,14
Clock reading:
12,42,26
